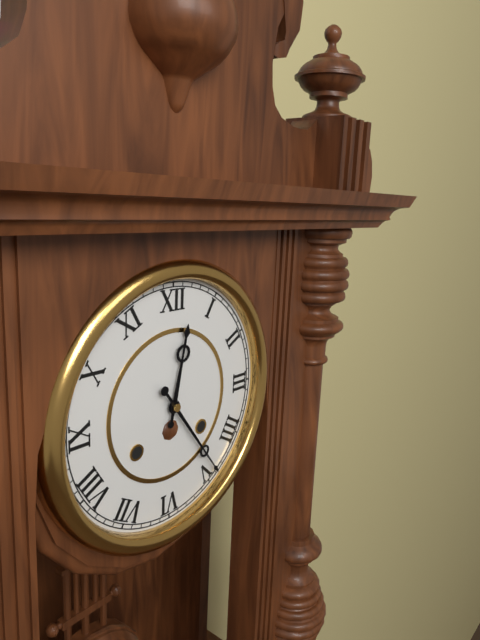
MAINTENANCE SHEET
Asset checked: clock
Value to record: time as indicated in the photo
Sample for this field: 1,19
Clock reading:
12,24
